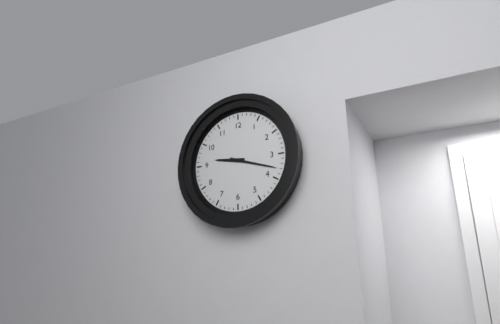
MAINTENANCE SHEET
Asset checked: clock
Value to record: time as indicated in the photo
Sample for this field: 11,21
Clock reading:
9,18
